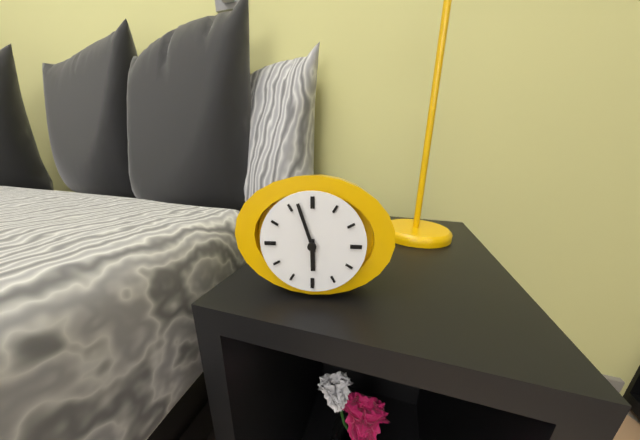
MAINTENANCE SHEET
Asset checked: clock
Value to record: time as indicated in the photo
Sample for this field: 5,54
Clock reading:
5,57
